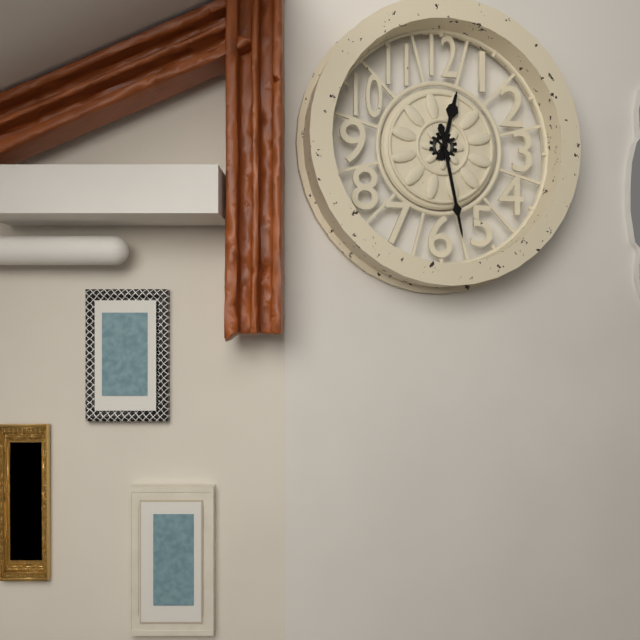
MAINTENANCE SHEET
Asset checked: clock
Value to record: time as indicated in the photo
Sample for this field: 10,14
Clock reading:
12,28
